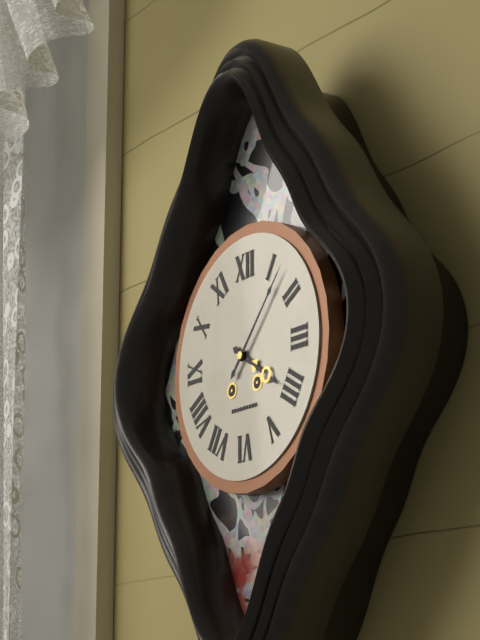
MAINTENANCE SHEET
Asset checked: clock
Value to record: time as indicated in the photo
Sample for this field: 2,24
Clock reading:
4,07
